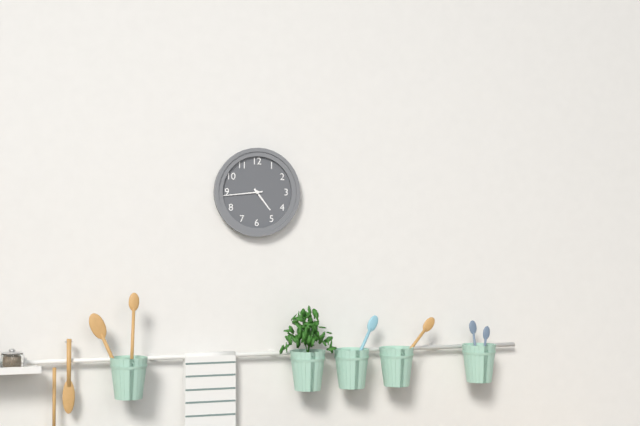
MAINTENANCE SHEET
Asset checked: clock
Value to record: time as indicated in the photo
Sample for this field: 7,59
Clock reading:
4,44
